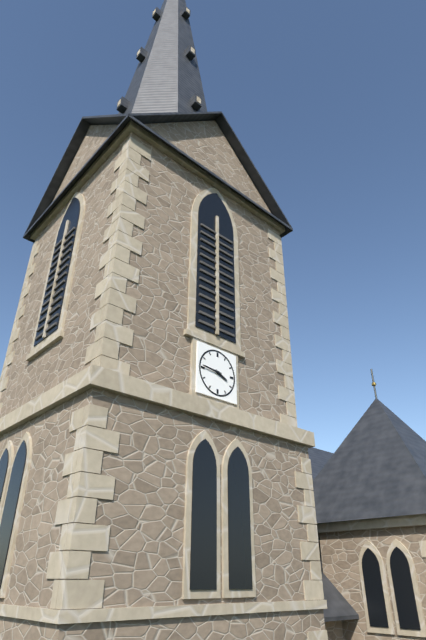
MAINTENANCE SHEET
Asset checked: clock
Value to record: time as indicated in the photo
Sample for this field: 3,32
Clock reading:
3,46
